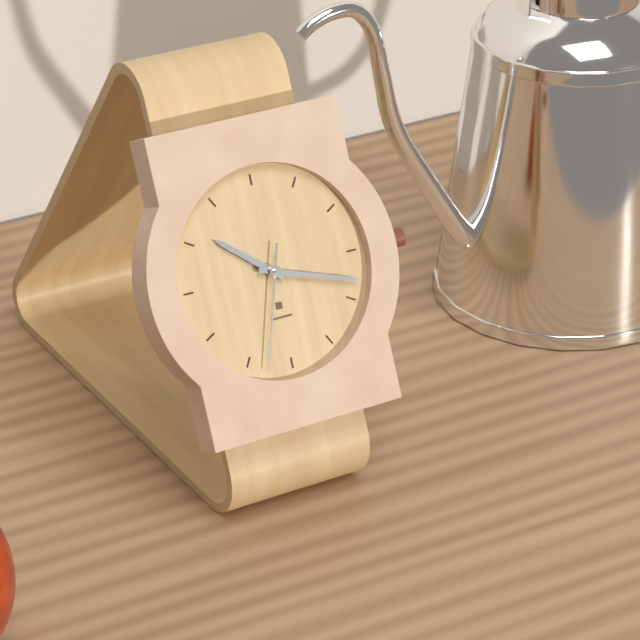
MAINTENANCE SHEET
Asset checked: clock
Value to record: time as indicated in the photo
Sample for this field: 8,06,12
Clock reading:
10,18,33
